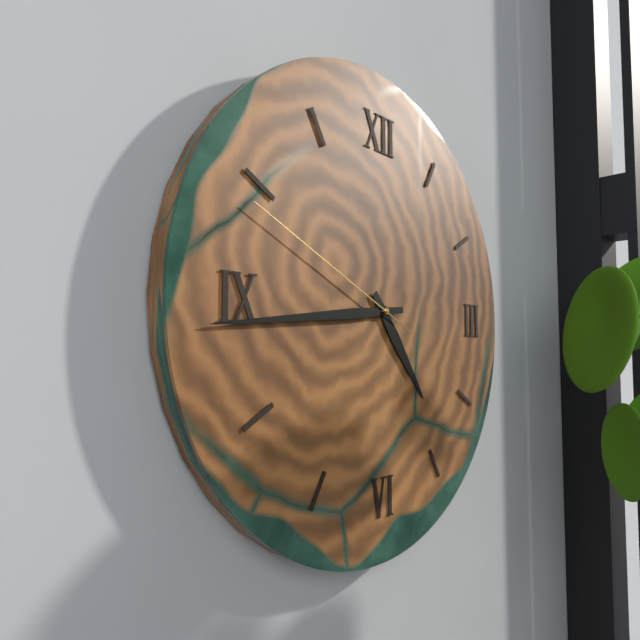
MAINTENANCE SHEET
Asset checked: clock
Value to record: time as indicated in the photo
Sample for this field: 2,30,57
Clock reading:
4,44,49
